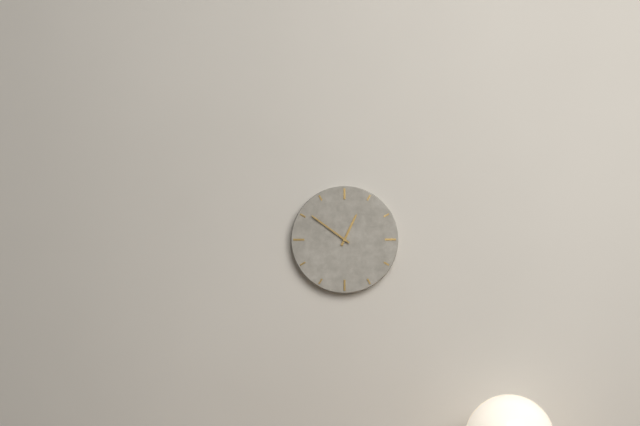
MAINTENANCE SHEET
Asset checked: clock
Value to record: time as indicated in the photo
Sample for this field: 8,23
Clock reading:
12,51
